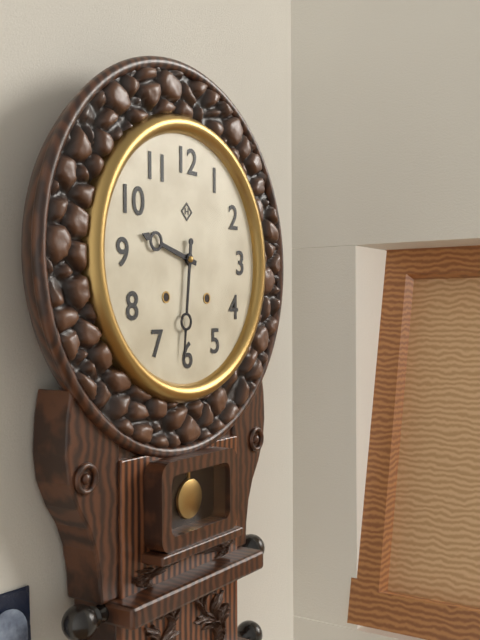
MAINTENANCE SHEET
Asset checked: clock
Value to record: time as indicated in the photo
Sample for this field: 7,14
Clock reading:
9,31
